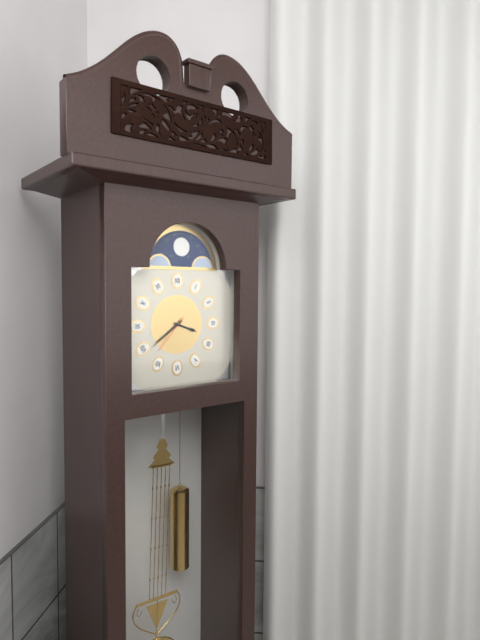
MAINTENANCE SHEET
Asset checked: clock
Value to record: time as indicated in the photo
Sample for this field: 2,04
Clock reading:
3,39
